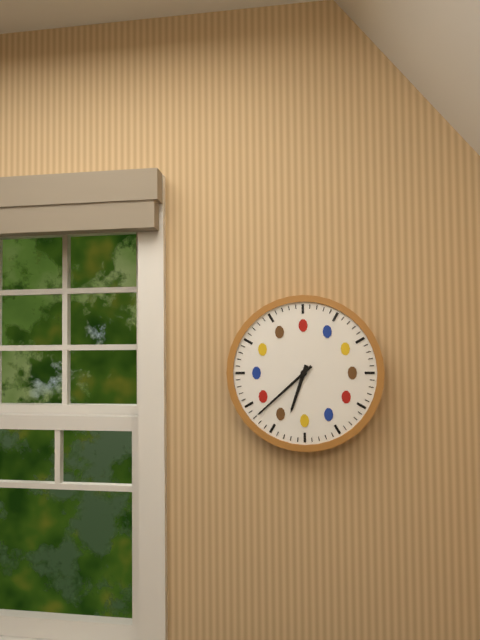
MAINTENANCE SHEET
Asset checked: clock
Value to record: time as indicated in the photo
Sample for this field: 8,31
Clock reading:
6,38
